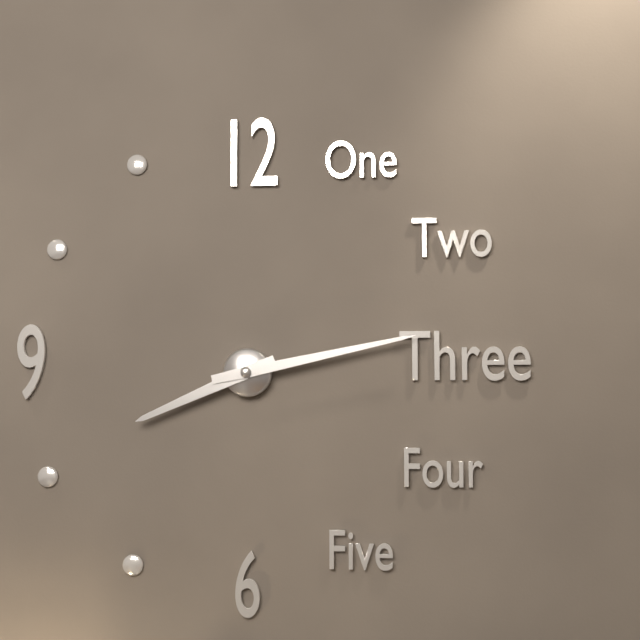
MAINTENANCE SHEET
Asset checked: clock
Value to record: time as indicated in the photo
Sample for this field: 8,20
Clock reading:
8,13
